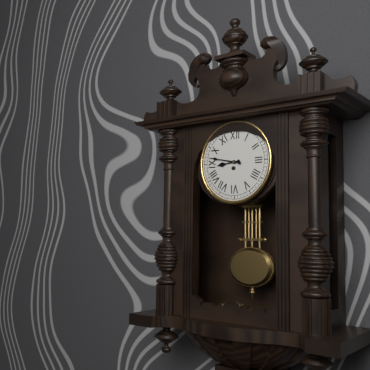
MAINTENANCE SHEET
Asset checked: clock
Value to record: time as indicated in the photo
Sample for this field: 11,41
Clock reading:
8,47
